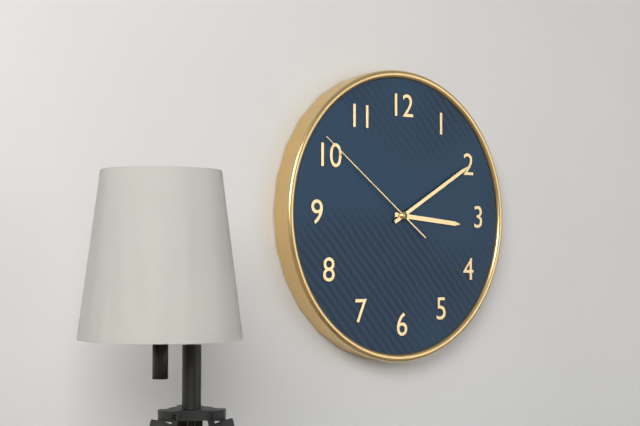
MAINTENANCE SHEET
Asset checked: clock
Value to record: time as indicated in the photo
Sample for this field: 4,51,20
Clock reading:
3,10,51
